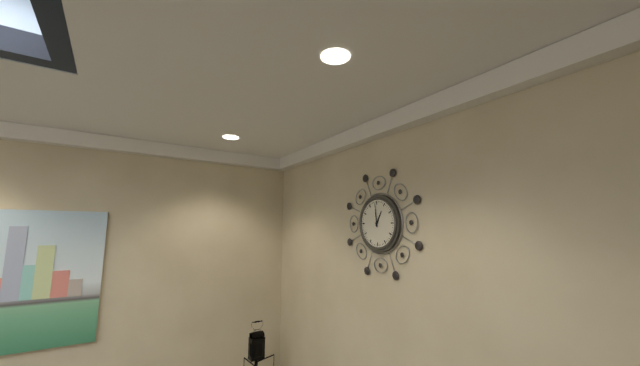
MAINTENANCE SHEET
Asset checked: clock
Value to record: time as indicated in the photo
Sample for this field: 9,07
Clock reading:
12,59
